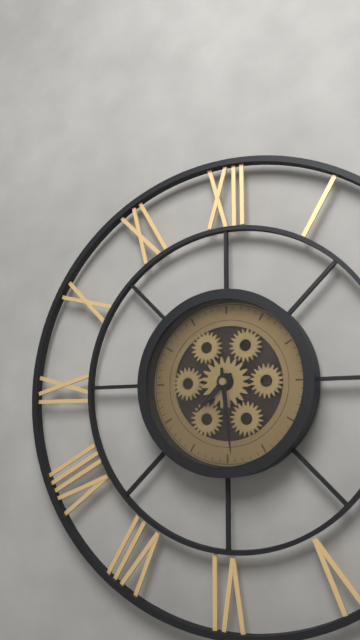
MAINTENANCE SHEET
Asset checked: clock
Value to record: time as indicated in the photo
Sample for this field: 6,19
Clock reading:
7,29
